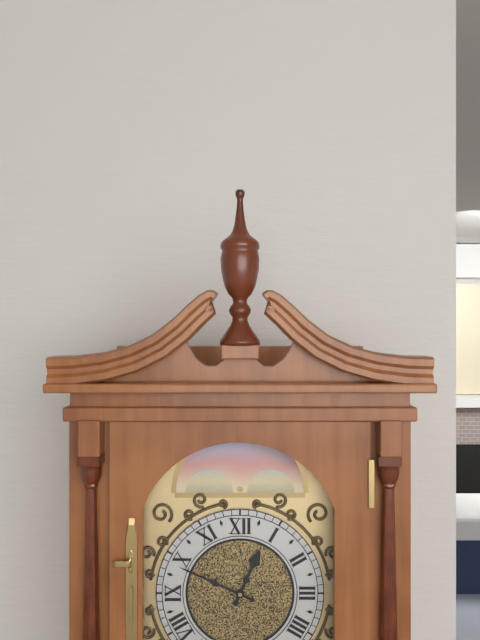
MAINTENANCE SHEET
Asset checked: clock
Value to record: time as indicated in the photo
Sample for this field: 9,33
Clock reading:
12,49
